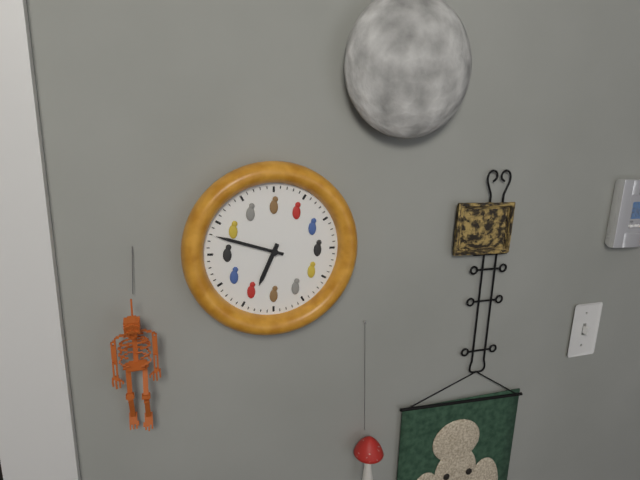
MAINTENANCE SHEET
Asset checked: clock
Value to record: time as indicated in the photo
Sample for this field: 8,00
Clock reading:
6,48
